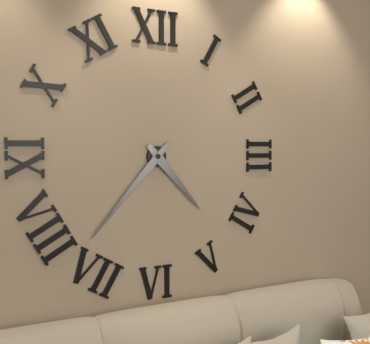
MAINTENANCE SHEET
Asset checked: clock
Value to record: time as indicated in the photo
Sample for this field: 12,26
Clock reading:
4,37
